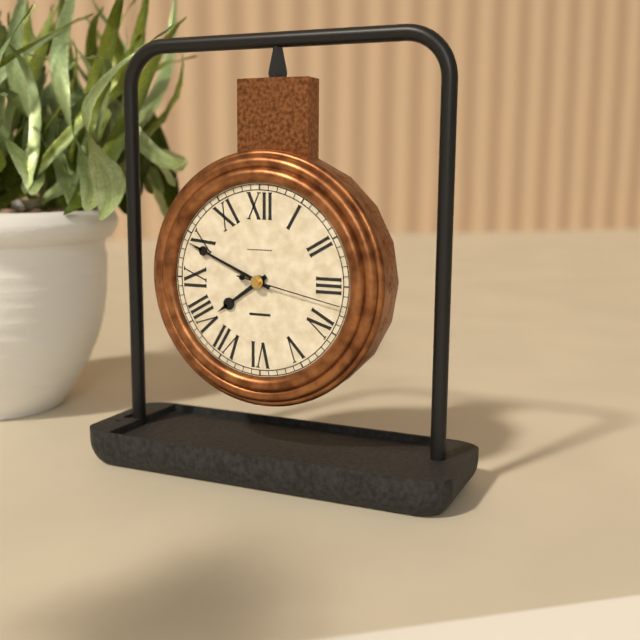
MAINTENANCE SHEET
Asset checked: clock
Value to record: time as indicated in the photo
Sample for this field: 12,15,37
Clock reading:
7,49,17
